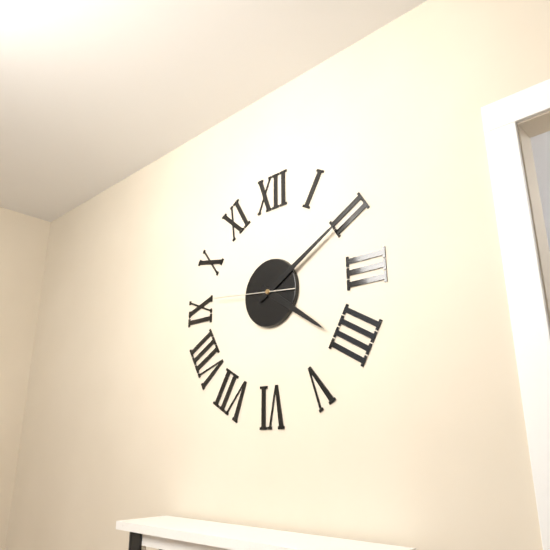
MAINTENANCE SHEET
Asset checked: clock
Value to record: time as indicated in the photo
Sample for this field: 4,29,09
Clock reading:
4,10,46
